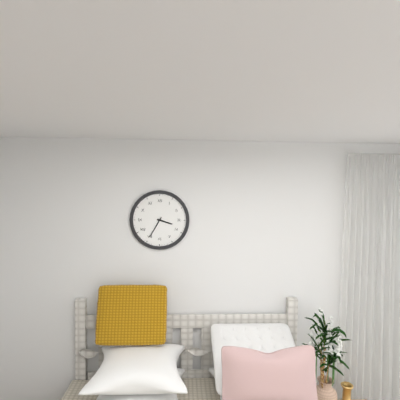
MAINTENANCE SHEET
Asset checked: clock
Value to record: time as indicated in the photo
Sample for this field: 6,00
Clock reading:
3,35
